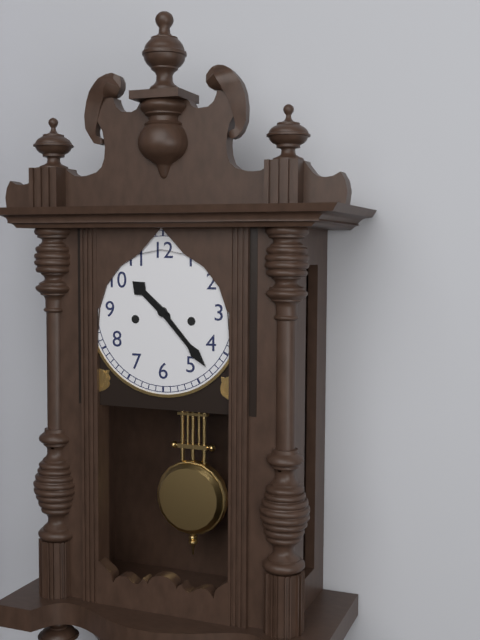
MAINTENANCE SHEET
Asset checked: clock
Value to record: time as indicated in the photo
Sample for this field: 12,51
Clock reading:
10,23
